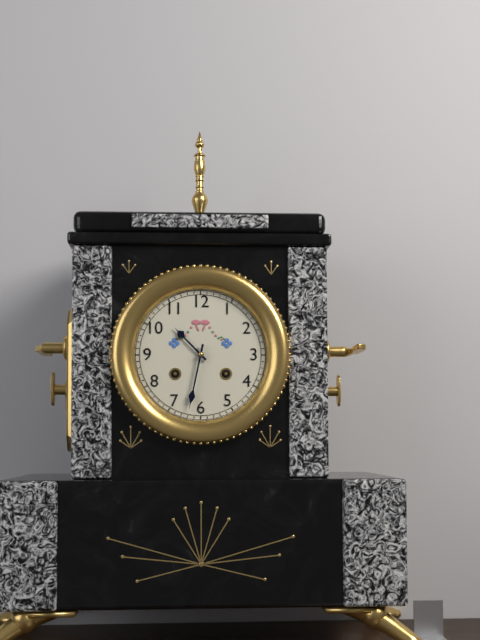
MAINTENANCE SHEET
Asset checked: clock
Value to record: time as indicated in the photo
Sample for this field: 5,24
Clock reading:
10,32
